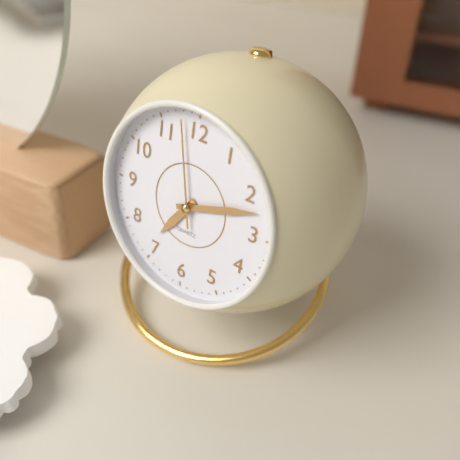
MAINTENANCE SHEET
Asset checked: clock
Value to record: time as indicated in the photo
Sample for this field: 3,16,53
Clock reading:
7,12,58
